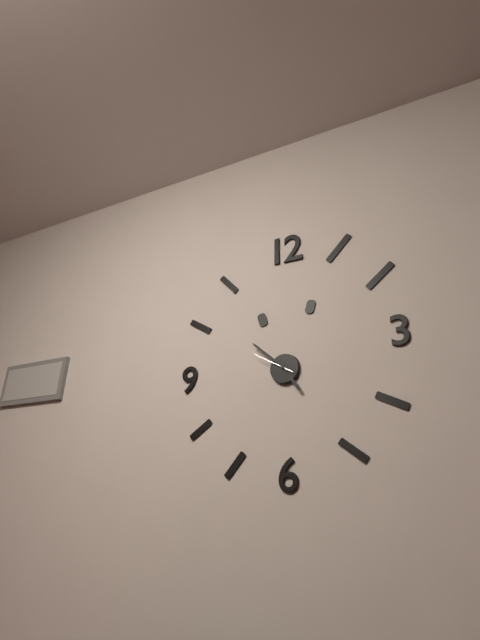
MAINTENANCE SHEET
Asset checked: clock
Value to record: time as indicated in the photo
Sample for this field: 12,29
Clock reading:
4,52
